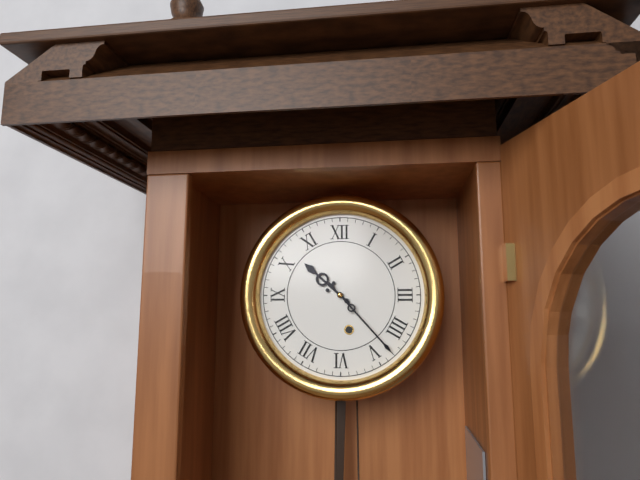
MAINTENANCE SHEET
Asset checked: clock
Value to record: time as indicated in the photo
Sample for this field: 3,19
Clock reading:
10,23
